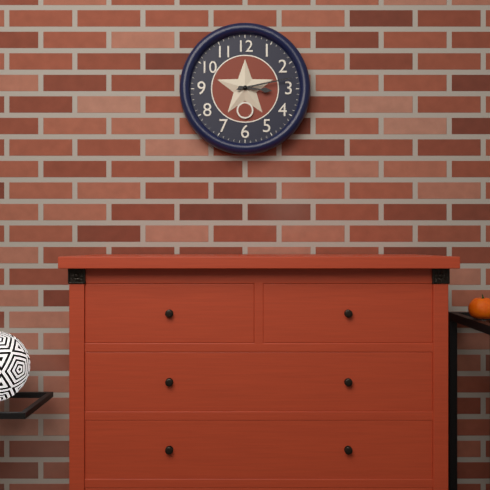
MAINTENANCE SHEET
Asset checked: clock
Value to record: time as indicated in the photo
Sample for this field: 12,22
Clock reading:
3,13
